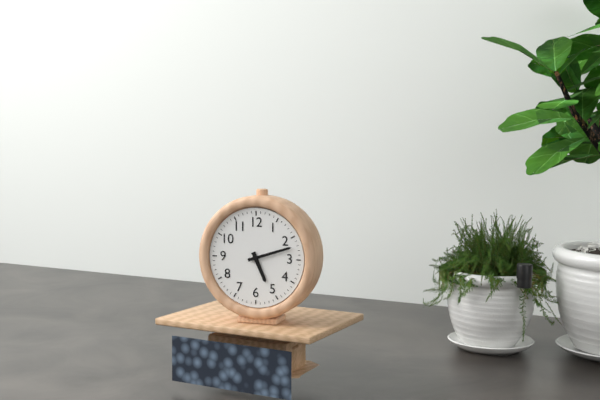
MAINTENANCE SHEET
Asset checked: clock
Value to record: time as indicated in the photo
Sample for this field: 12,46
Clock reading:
5,12
